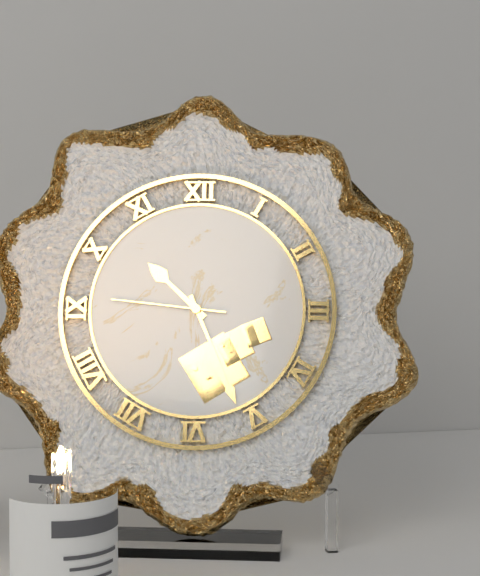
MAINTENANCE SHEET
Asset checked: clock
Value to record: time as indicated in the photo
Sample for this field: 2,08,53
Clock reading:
10,26,46
